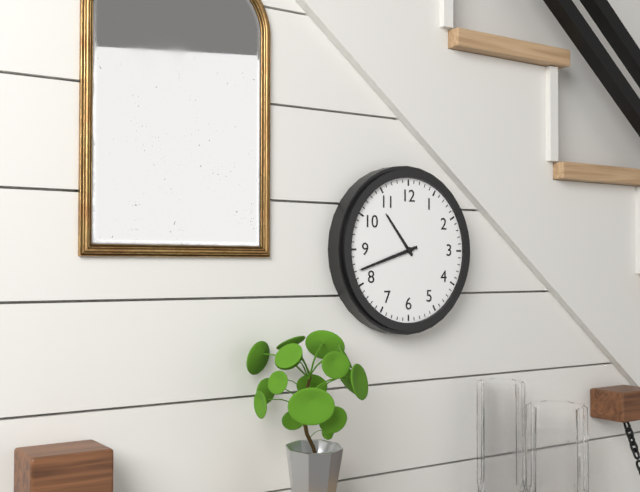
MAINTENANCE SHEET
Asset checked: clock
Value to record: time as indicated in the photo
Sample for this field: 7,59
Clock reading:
10,42
